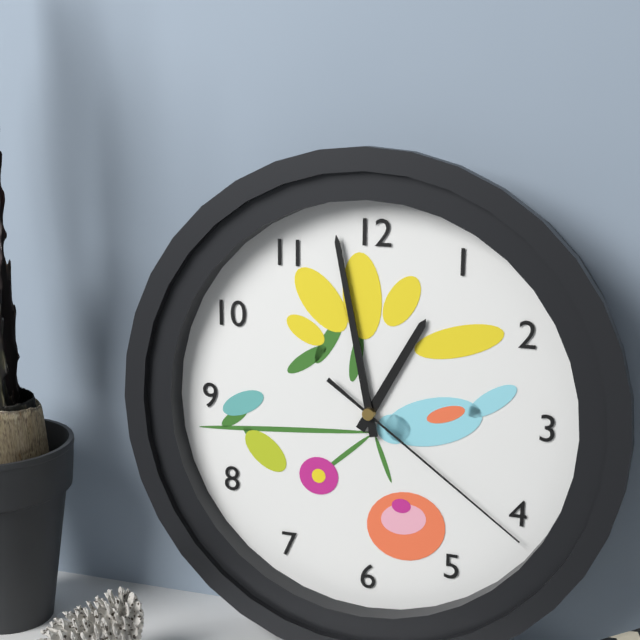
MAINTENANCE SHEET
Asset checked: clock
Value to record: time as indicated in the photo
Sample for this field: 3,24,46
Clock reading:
12,58,21
